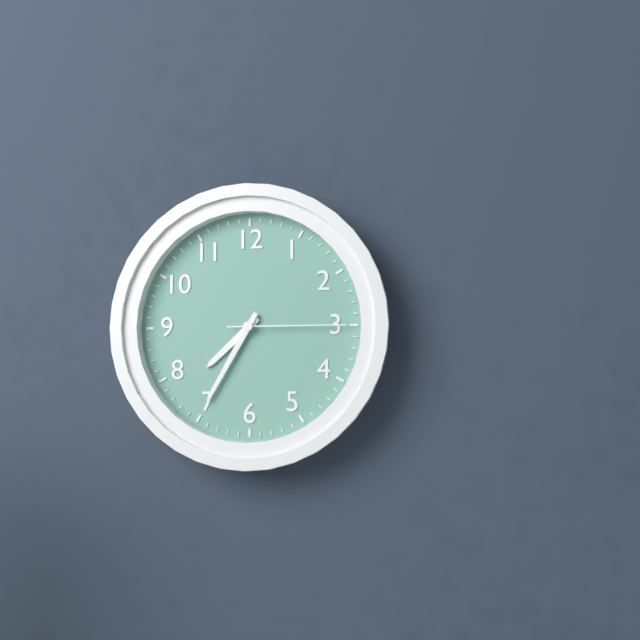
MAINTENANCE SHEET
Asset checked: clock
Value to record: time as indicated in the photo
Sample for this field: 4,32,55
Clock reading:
7,35,15
